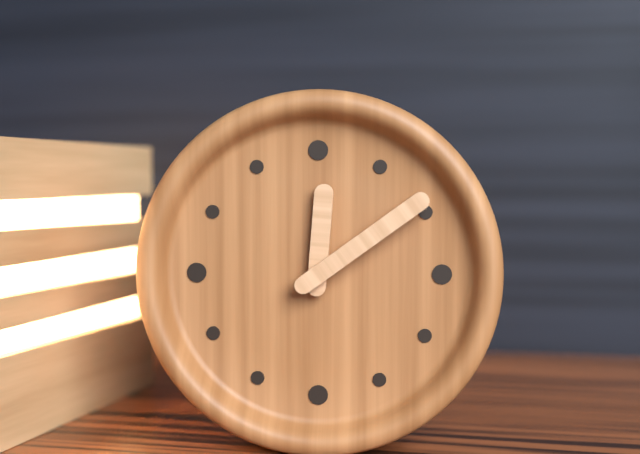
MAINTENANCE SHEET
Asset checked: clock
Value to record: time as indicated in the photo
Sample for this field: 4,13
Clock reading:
12,09
